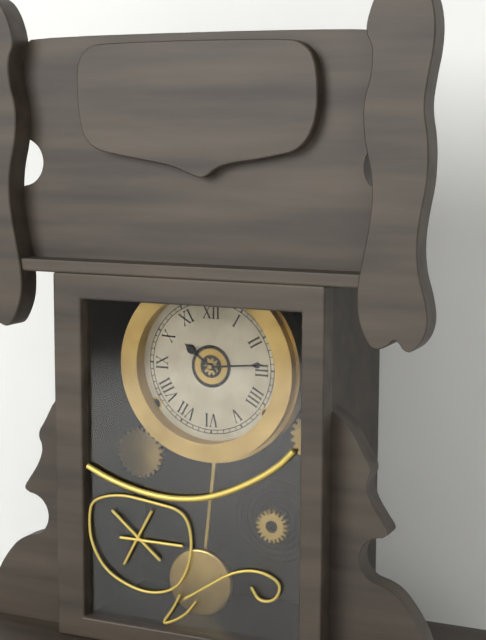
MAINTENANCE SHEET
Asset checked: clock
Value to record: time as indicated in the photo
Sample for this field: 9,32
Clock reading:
10,14
